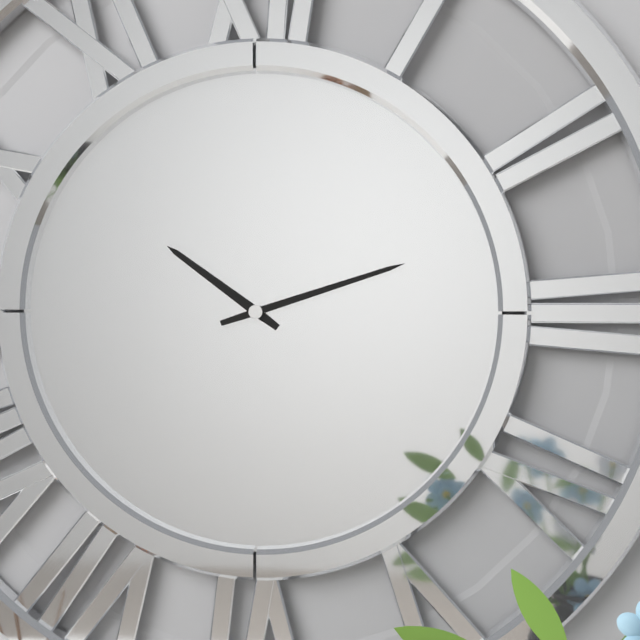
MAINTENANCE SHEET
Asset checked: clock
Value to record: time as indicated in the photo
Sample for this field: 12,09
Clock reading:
10,12
